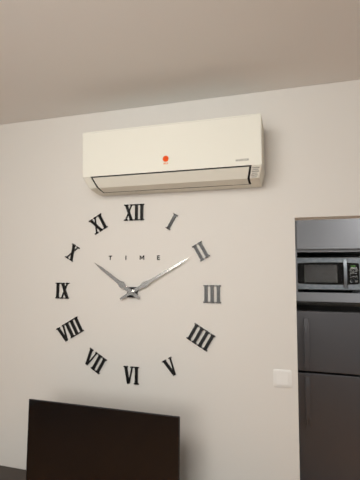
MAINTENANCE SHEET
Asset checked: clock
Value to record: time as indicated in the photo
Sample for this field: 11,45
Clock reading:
10,10
